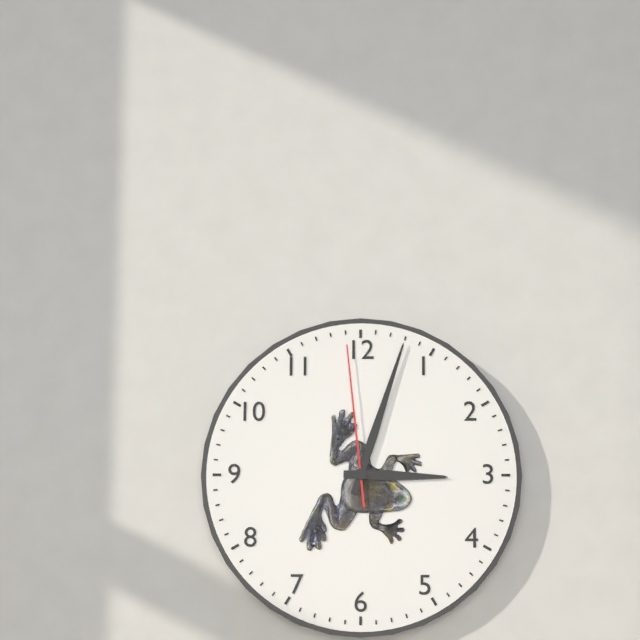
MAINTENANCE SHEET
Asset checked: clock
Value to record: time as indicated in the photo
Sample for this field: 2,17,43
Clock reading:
3,03,59
